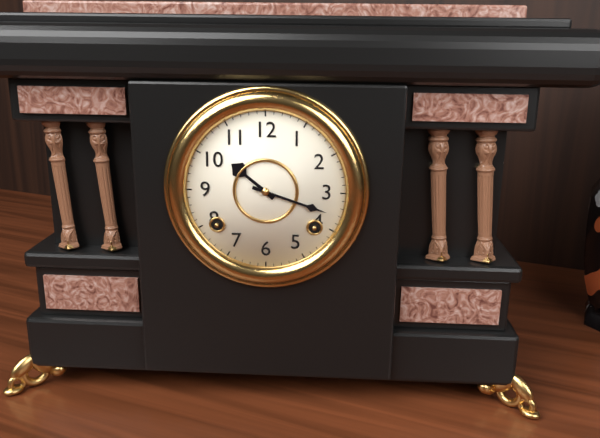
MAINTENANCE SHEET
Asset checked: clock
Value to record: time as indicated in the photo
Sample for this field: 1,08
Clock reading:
10,18
